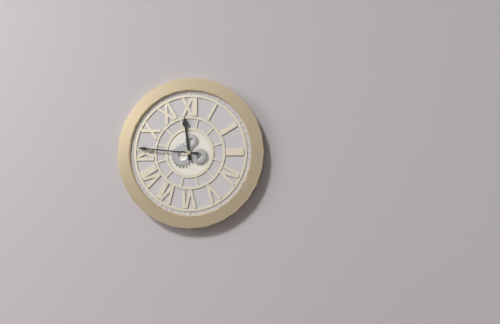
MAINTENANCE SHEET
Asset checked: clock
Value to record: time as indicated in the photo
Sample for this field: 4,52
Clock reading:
11,46
